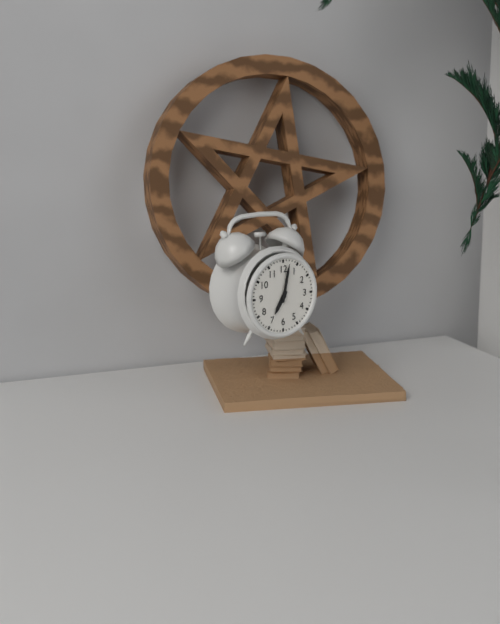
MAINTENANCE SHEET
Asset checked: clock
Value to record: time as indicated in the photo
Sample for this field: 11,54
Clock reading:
7,02
